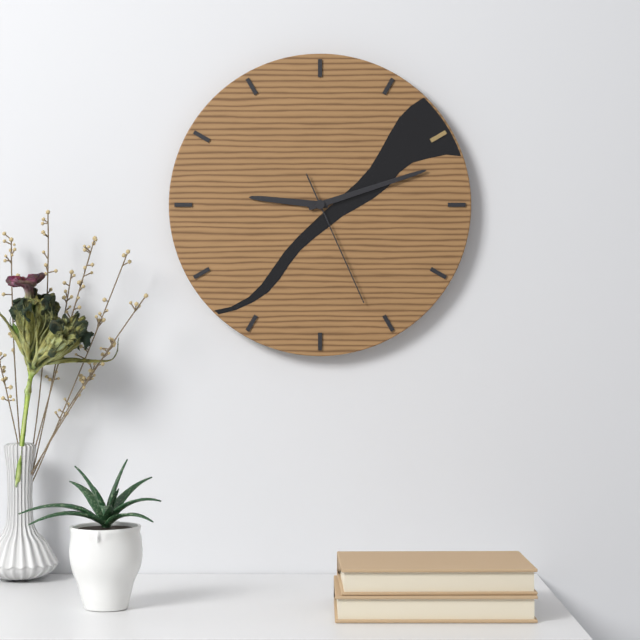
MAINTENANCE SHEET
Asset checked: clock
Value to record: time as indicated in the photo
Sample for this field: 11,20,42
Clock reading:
9,12,26
